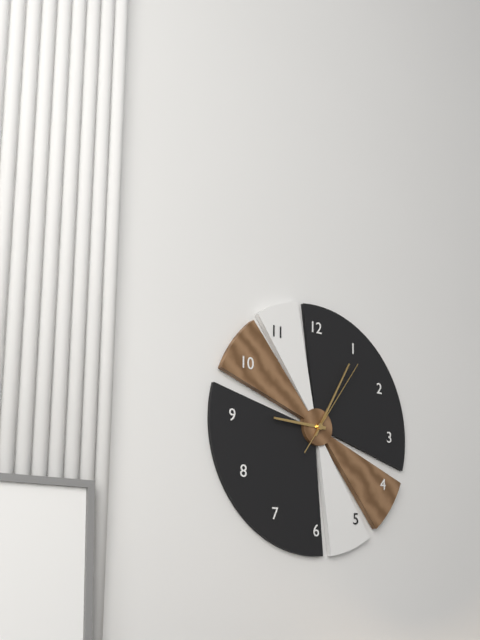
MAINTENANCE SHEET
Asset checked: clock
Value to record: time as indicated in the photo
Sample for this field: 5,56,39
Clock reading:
9,05,06
